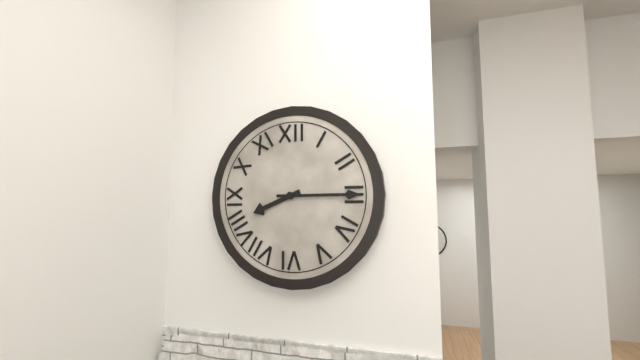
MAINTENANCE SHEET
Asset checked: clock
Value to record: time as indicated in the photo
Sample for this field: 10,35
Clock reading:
8,15
